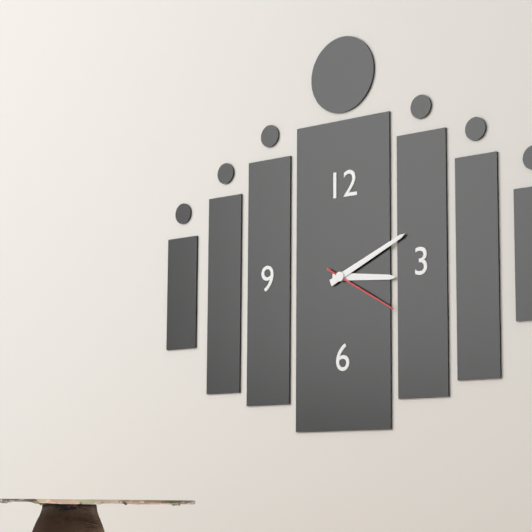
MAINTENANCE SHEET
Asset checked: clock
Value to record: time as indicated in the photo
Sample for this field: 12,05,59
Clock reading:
3,11,20
